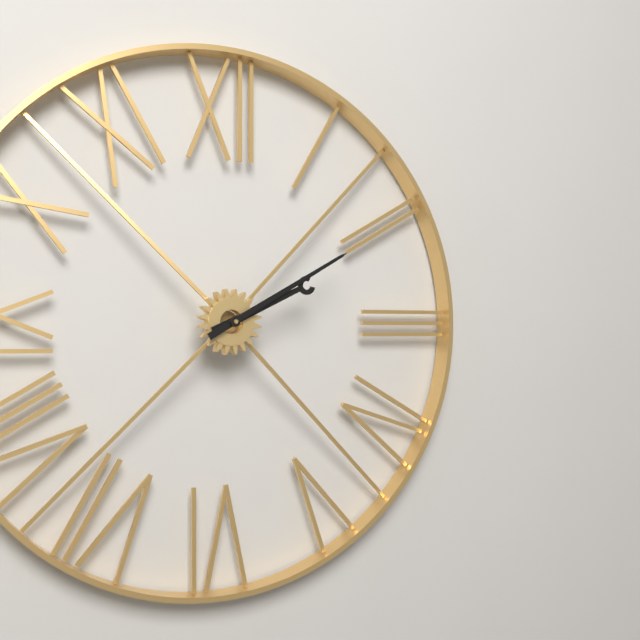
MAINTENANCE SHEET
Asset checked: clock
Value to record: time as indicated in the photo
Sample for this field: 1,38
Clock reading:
2,10
